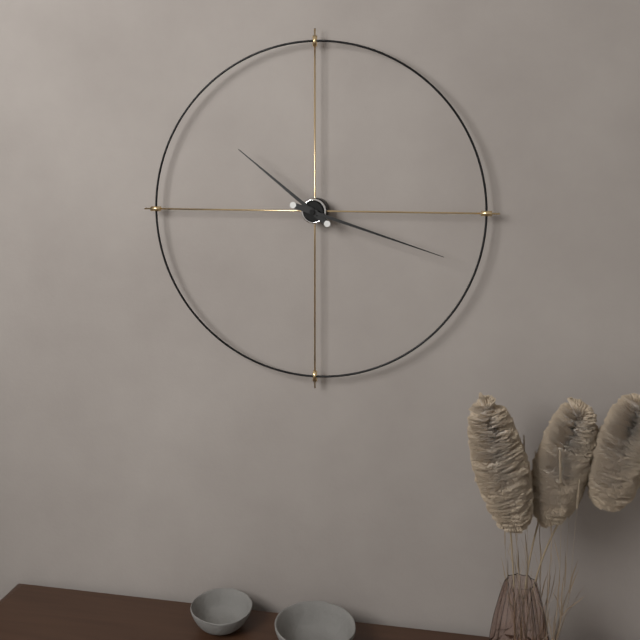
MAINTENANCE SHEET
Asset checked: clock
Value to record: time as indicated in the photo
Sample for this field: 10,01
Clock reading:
10,18
